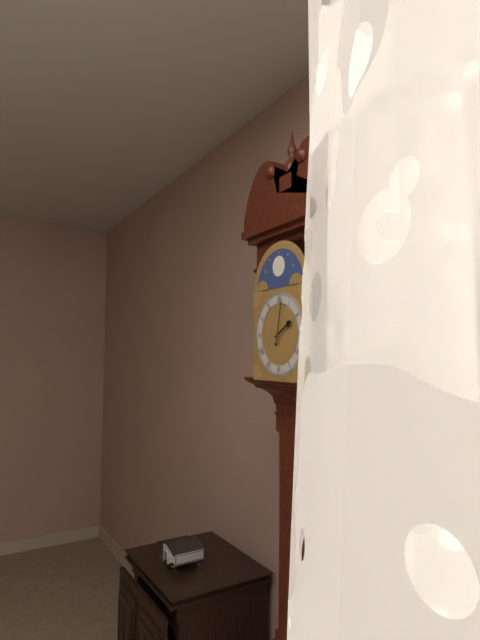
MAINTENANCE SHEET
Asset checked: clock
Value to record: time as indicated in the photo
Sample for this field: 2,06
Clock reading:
2,02
